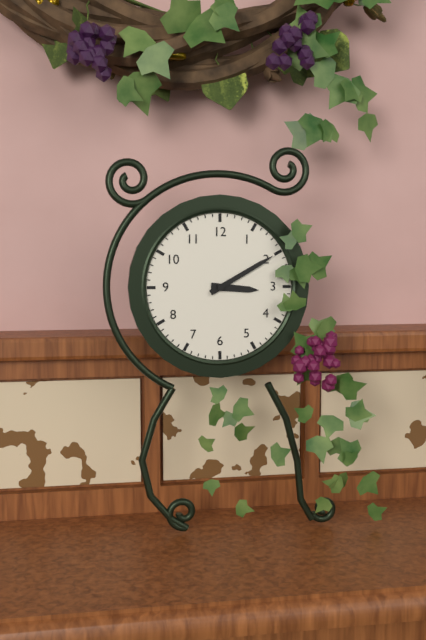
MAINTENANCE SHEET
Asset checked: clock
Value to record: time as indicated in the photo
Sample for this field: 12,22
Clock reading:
3,10
